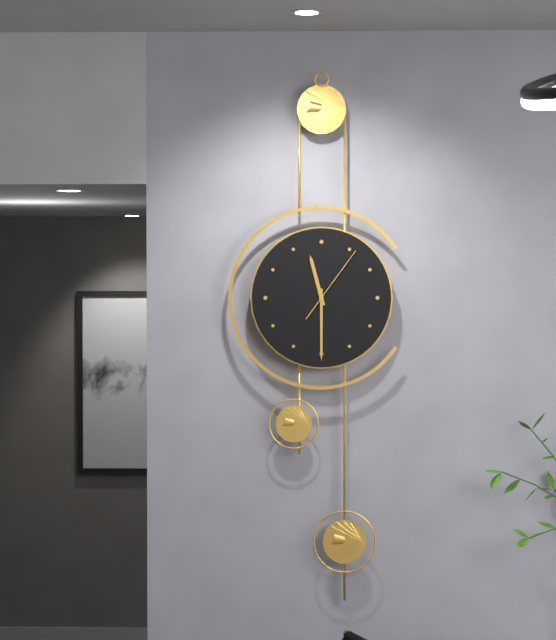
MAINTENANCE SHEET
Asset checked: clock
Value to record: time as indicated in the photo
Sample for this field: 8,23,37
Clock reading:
11,30,06
